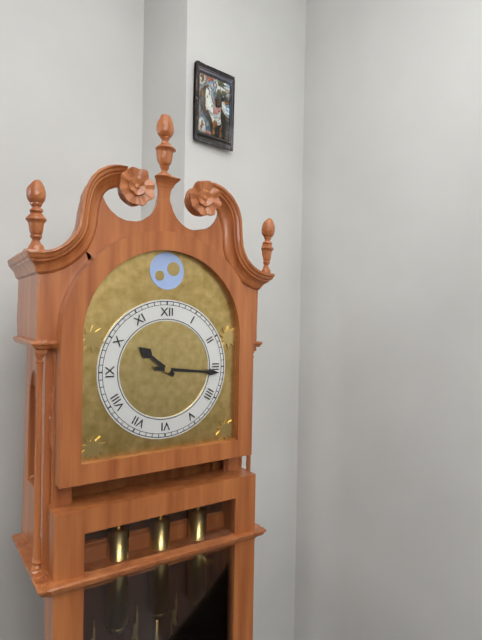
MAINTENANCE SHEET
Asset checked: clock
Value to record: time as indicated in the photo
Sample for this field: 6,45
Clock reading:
10,16
